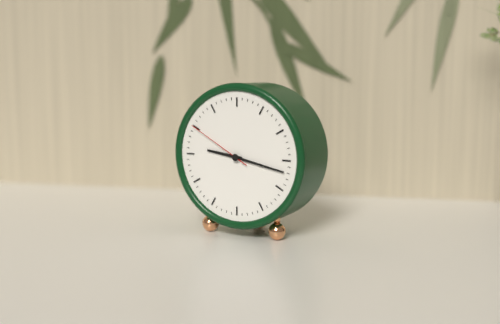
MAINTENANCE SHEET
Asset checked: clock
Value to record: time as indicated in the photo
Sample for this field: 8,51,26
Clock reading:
9,17,50
